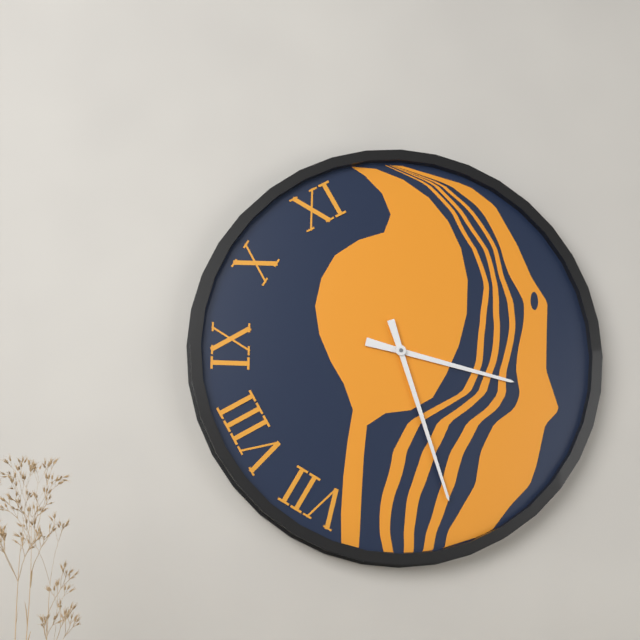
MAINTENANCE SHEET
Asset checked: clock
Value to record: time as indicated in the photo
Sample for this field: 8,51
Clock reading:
3,27
